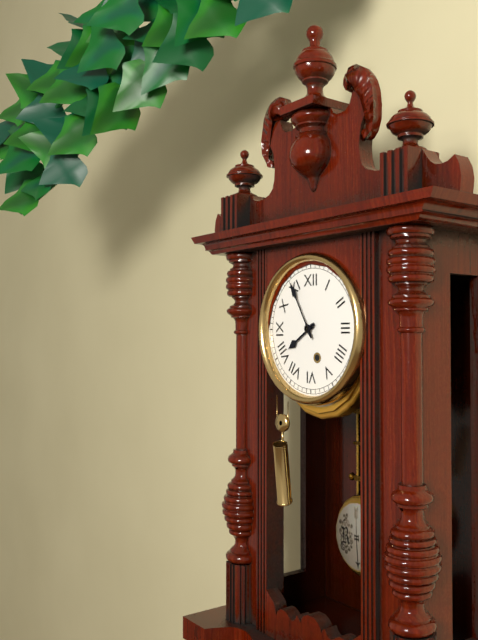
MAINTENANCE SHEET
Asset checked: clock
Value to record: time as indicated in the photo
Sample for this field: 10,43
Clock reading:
7,55
